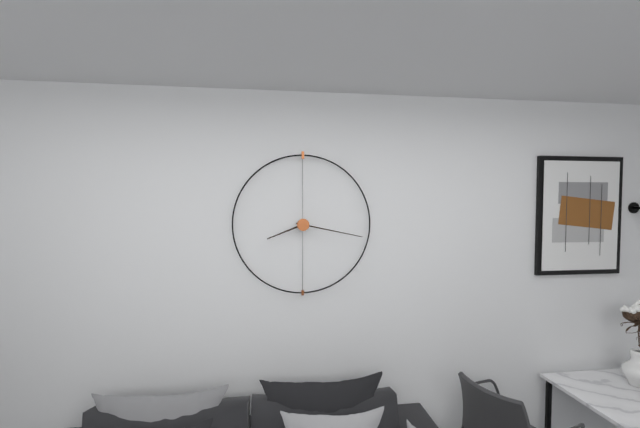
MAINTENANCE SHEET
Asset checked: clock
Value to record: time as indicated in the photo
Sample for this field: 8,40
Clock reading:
8,17
